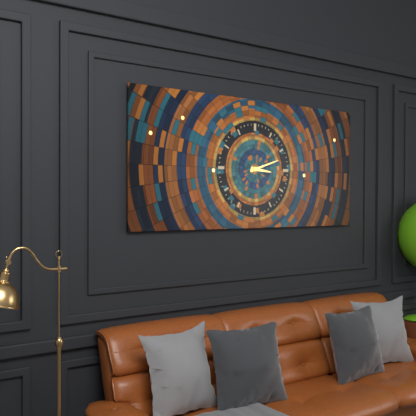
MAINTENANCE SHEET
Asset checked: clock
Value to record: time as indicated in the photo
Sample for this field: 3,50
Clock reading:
3,12
